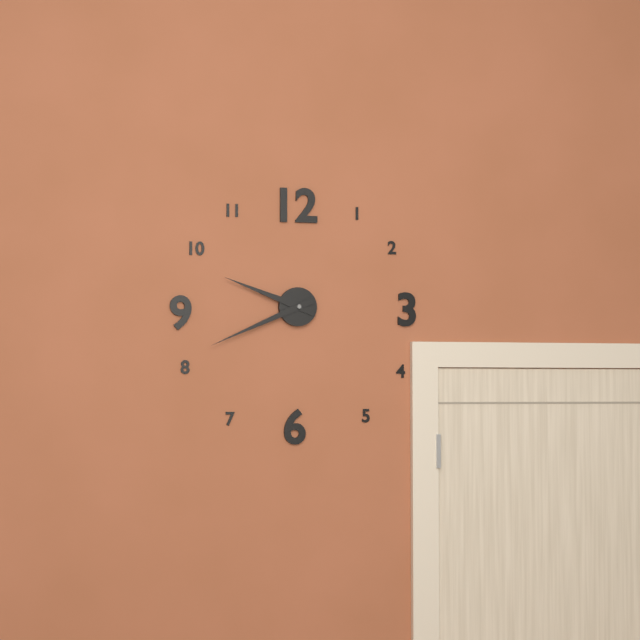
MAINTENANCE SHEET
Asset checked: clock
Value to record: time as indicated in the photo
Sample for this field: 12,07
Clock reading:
9,41
